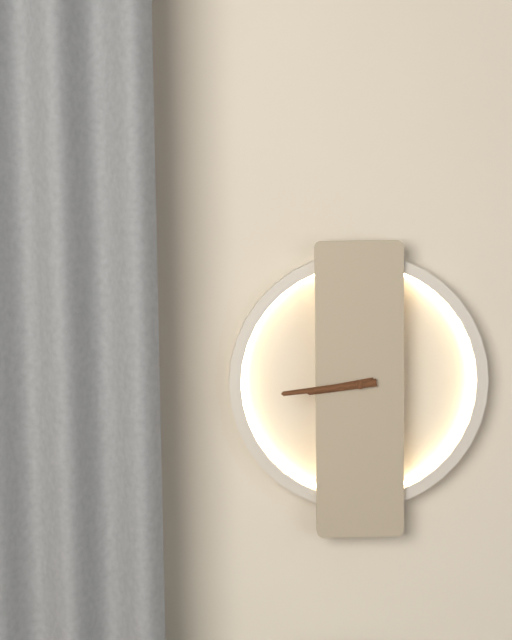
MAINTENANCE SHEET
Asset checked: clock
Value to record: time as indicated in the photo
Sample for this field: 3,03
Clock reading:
8,44
